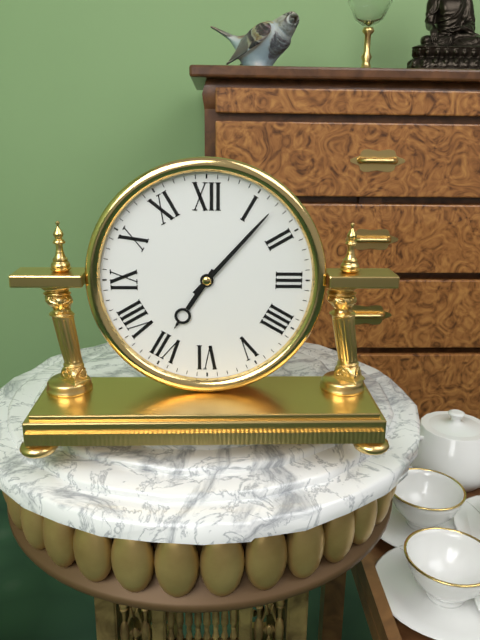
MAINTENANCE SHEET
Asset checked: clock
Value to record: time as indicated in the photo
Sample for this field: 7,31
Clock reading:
7,07
